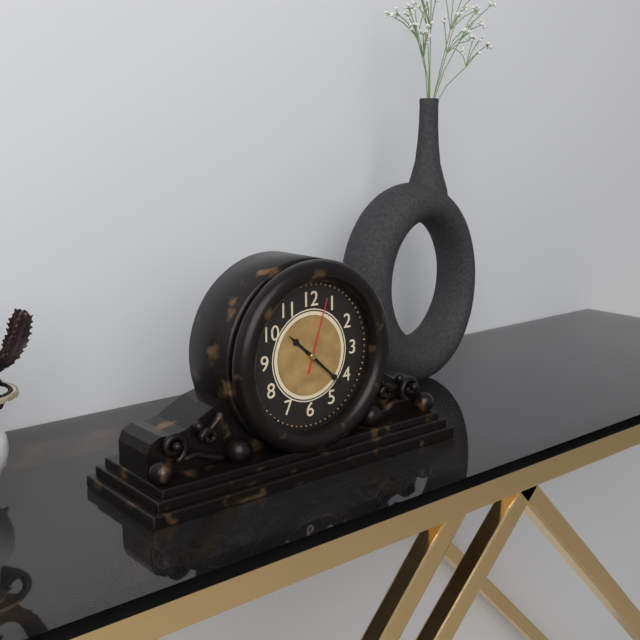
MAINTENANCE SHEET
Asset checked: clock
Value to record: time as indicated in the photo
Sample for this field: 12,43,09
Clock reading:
10,22,03
